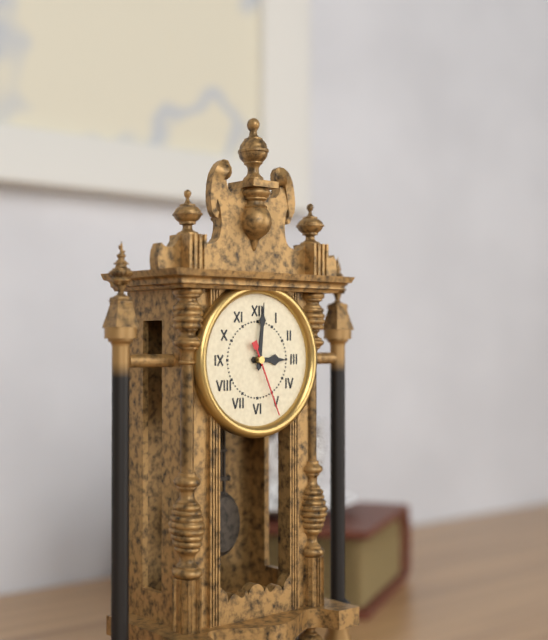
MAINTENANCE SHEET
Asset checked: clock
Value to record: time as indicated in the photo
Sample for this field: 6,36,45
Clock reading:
3,01,26
